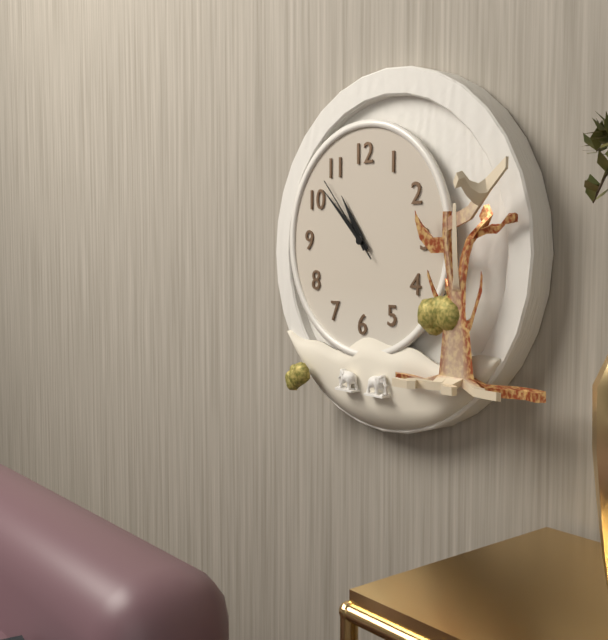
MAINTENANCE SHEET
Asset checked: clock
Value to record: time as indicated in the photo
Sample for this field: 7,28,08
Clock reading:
10,52,53
